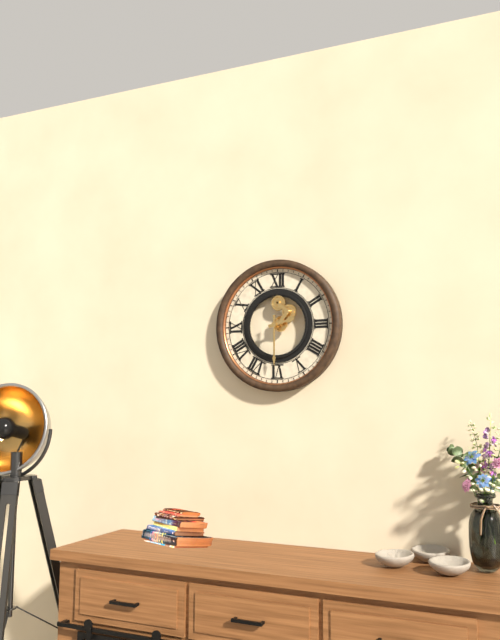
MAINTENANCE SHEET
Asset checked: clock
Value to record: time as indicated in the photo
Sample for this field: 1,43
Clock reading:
2,30
